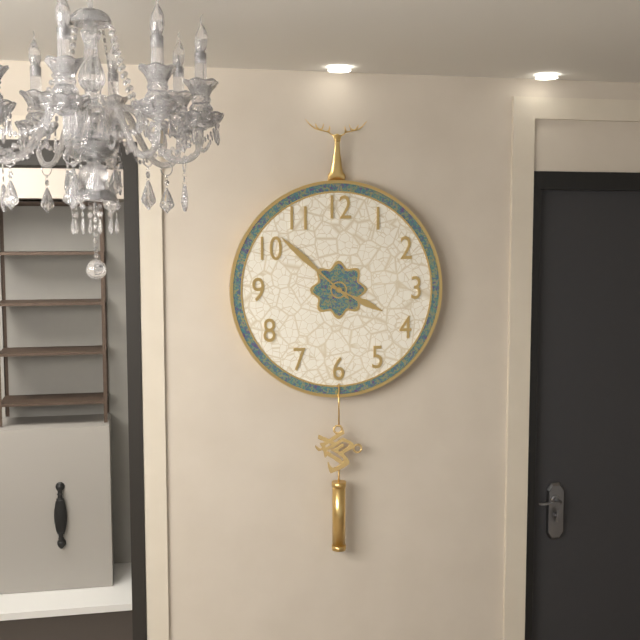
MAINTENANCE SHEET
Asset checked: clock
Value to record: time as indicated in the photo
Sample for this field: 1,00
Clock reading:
3,52
